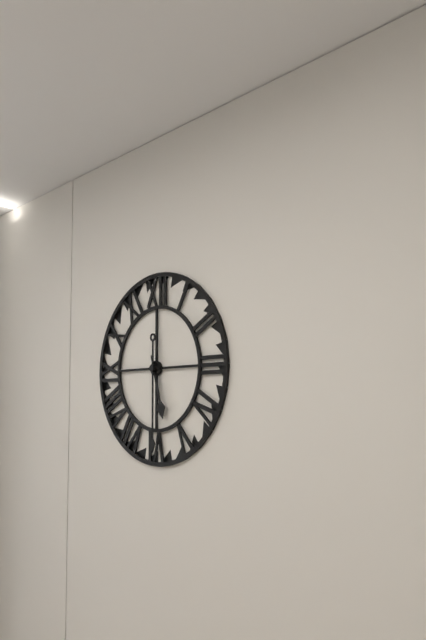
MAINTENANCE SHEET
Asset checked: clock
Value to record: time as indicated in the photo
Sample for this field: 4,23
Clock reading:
5,30
